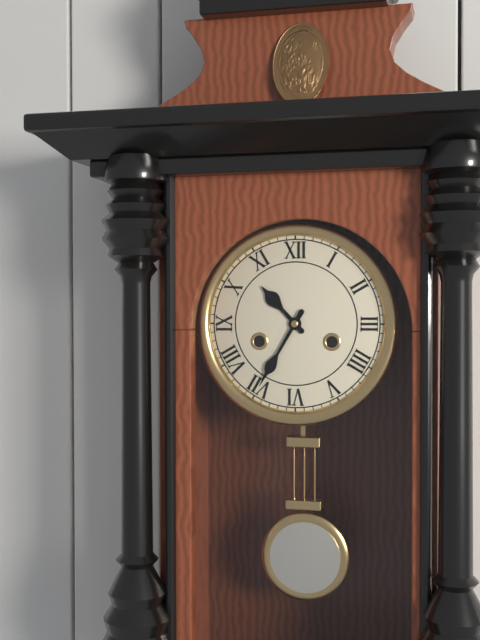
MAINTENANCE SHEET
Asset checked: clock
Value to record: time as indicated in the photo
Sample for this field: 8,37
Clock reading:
10,35
